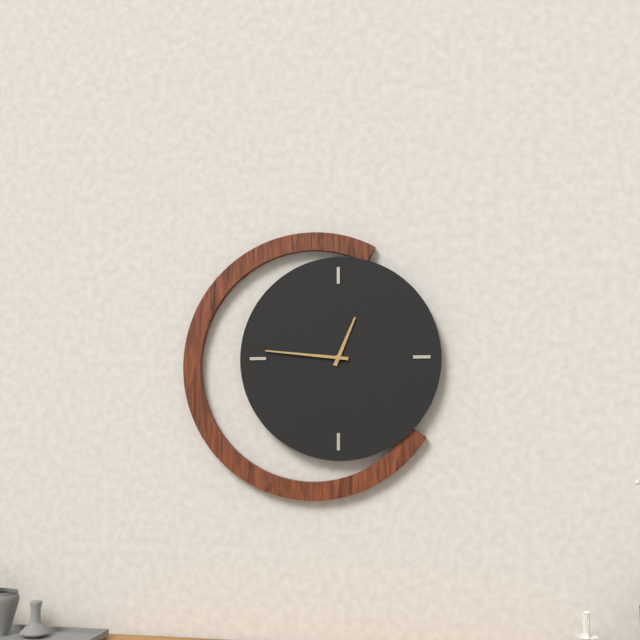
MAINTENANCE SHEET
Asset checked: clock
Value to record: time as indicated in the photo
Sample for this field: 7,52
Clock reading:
12,46
